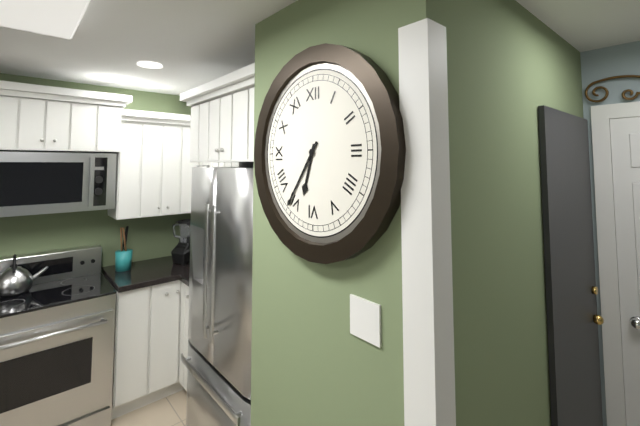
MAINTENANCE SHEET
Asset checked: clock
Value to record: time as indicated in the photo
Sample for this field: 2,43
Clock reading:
6,36
